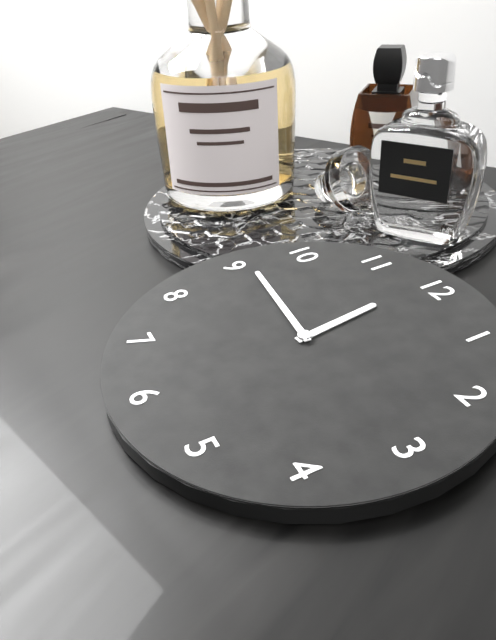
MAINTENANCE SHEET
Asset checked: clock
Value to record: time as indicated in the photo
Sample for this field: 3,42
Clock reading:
11,46
